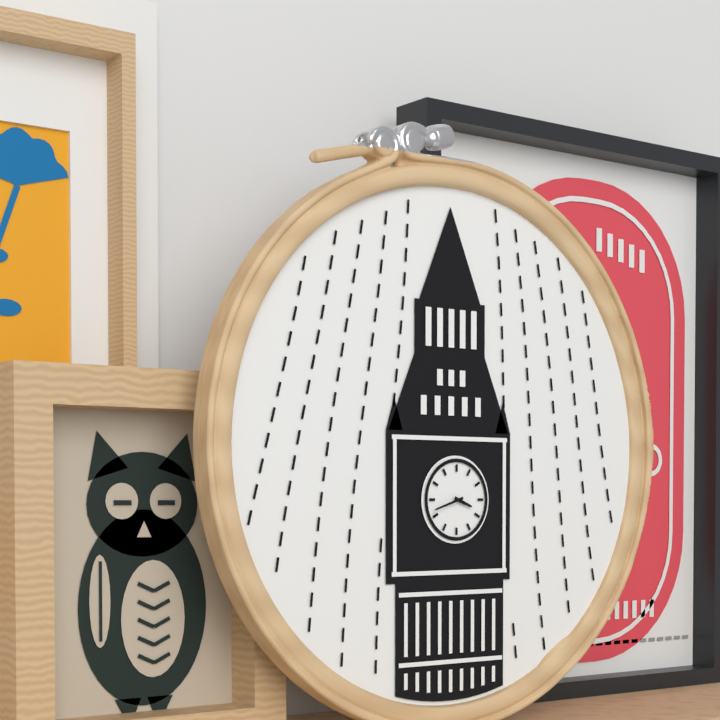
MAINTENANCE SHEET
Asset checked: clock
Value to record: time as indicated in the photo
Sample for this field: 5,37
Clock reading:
3,42
